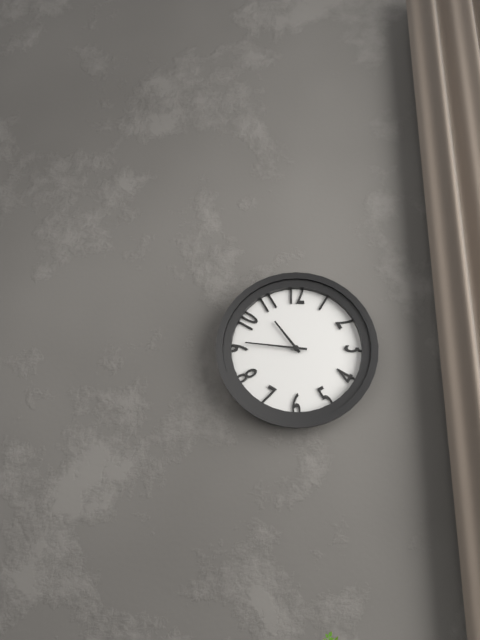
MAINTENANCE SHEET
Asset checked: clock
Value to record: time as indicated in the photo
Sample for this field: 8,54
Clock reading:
10,46
